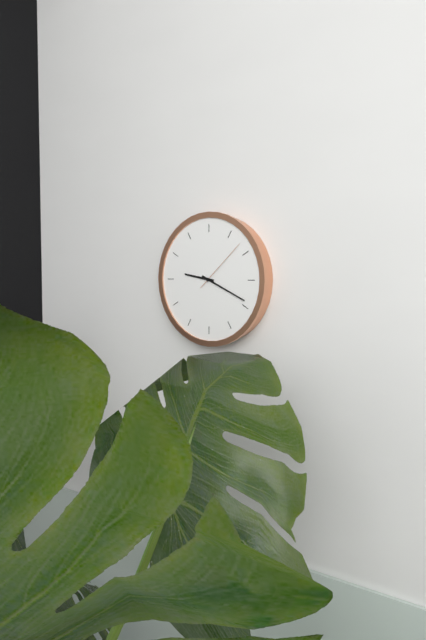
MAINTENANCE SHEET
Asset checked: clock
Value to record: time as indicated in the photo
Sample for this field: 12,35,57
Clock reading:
9,19,08
